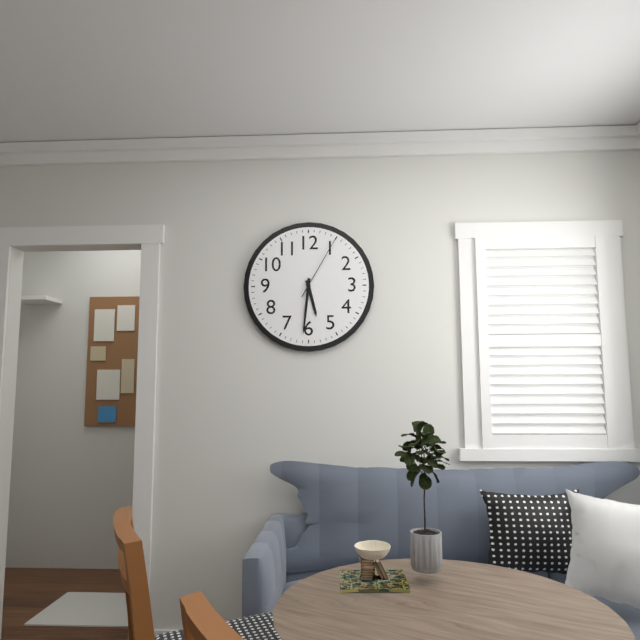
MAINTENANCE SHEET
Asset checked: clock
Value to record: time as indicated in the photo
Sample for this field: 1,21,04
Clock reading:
5,31,05
